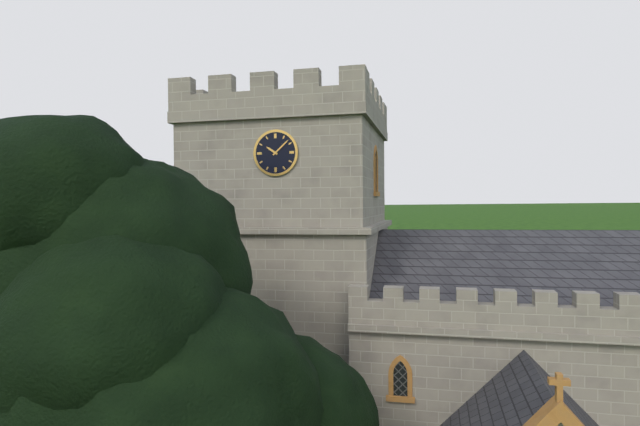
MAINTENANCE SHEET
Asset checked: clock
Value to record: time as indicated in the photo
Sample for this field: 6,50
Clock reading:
10,08
